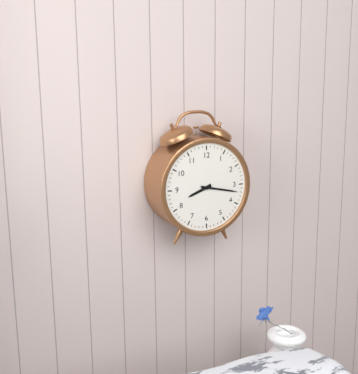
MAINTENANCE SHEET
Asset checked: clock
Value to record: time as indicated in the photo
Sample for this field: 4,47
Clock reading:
8,17
